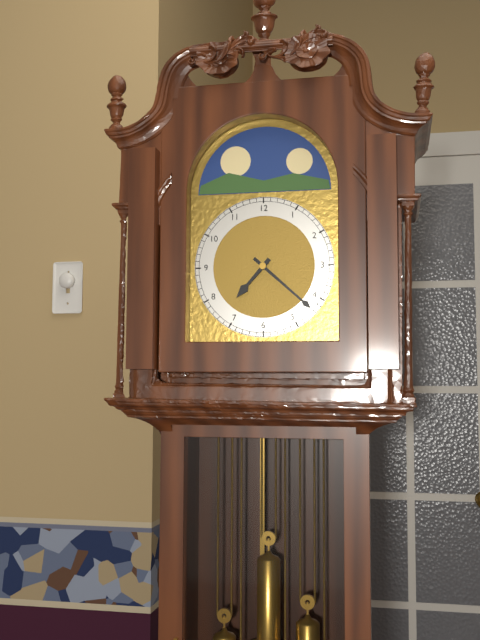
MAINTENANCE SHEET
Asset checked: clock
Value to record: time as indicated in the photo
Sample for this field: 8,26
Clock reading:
7,22
